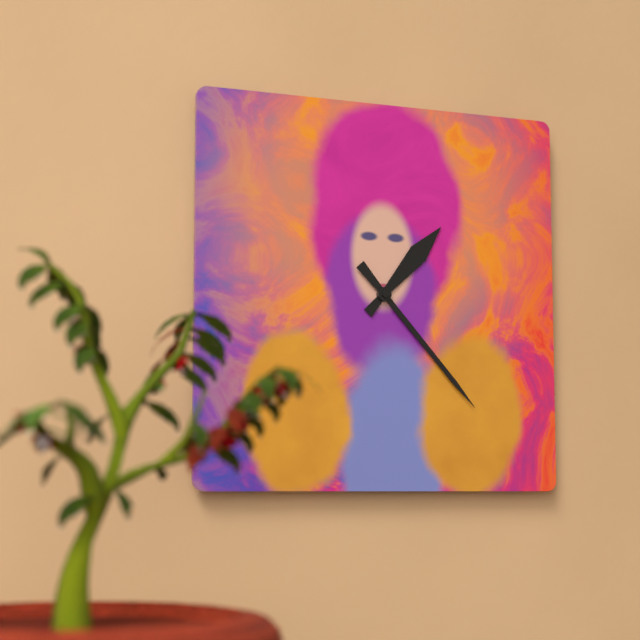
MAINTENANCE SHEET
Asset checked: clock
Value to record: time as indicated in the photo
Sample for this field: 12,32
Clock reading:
1,23
